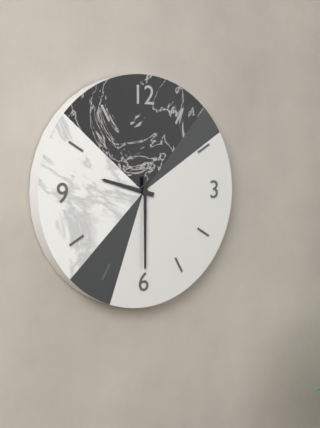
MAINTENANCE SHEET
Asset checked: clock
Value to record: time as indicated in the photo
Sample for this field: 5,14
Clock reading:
9,30
